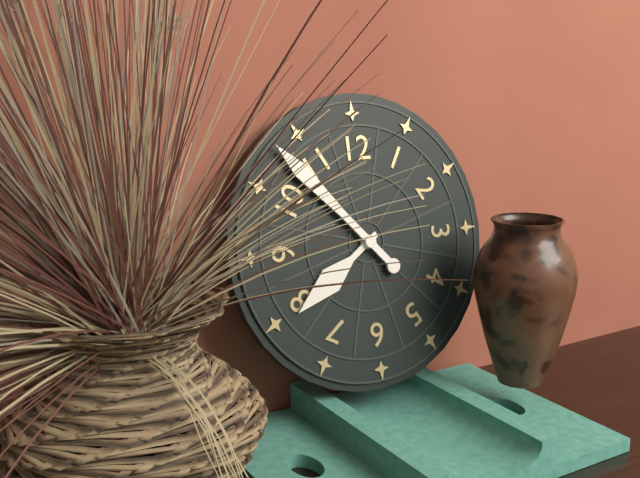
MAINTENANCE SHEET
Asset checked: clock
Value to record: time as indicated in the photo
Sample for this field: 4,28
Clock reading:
7,53
